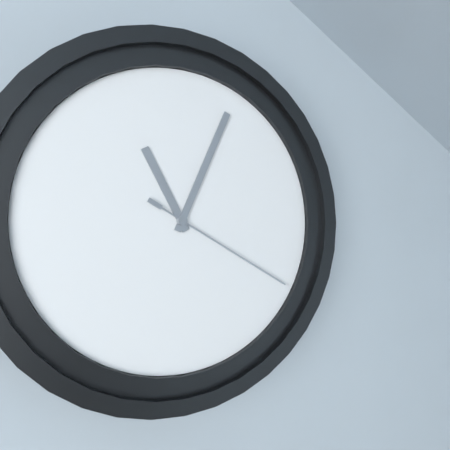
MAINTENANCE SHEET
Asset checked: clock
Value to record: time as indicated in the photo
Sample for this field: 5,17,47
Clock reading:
11,04,20
